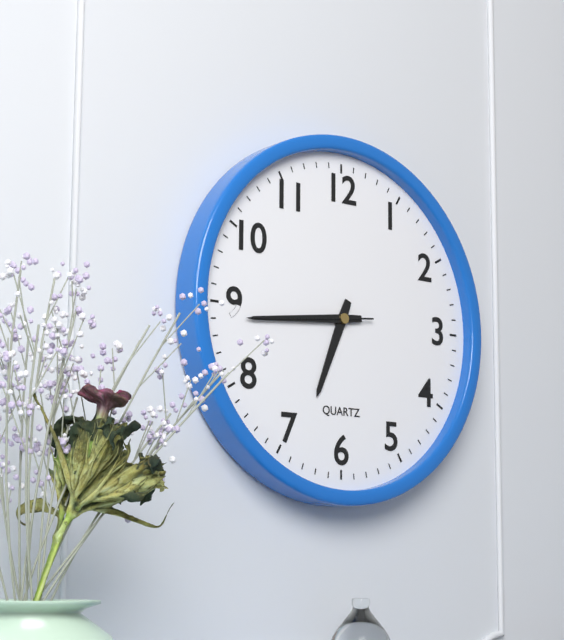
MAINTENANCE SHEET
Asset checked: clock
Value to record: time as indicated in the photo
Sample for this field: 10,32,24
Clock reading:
6,44,44
